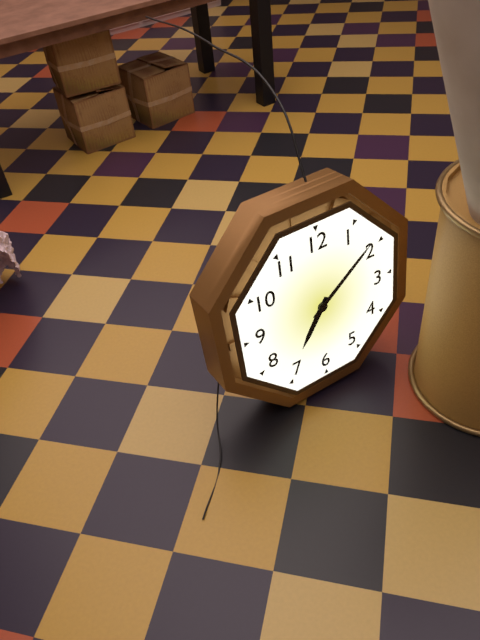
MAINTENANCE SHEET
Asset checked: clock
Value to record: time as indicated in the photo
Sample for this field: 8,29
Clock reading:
7,09
